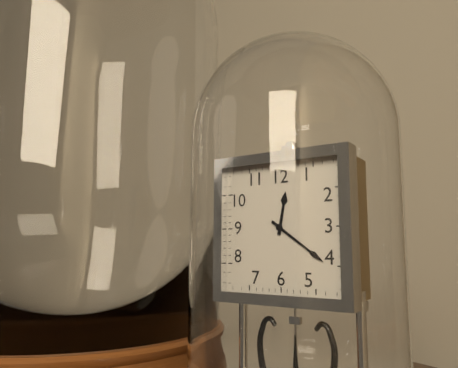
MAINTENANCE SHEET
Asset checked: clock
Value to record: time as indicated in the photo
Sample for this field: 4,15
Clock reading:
12,21
